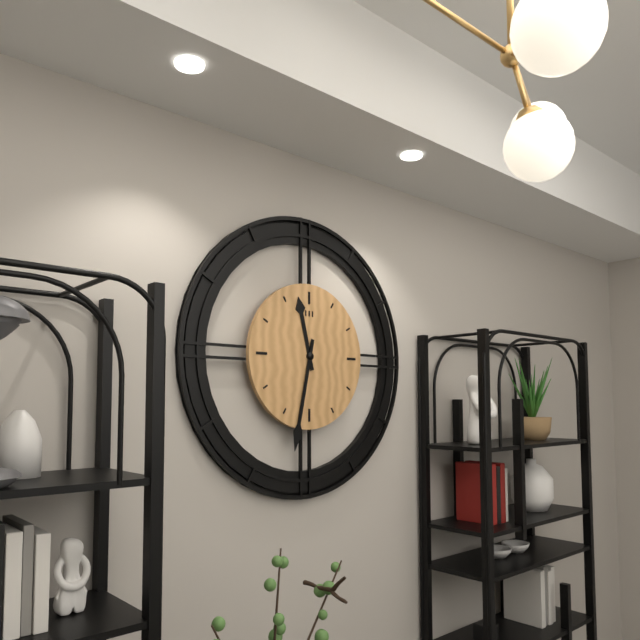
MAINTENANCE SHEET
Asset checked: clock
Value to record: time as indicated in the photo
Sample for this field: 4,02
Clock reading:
11,32
